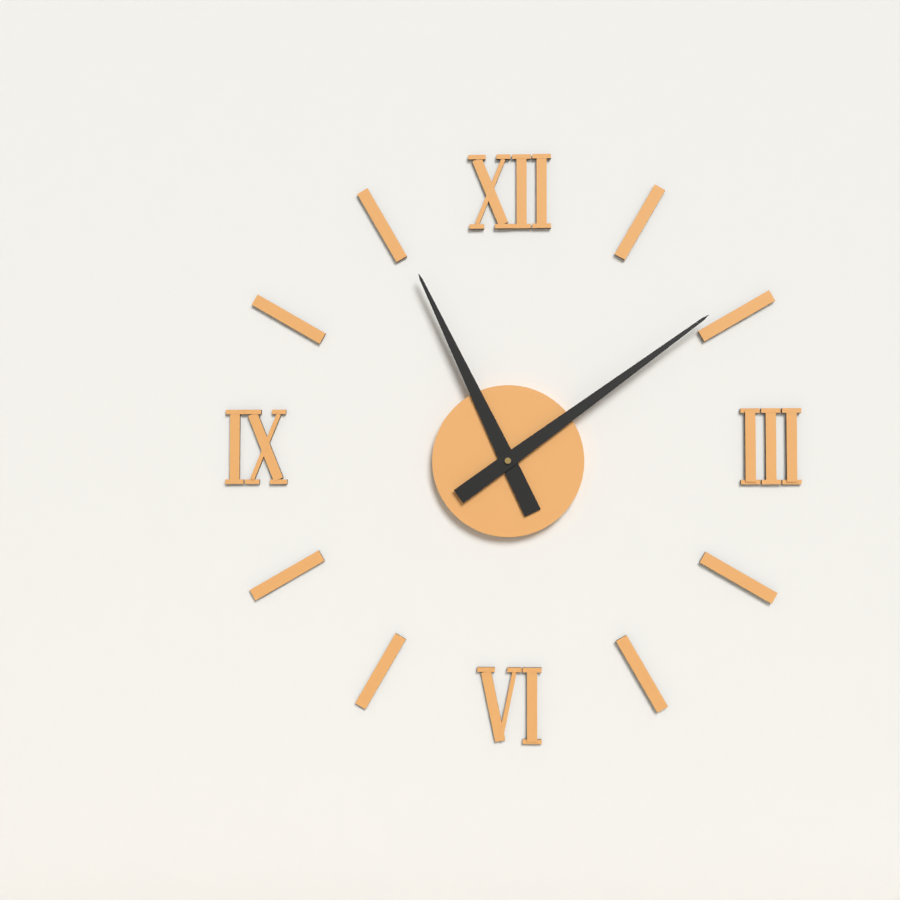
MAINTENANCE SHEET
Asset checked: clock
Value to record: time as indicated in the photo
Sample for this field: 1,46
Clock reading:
11,09
